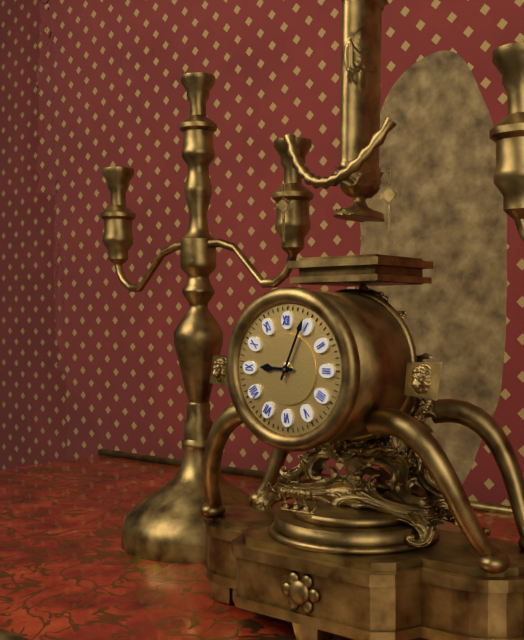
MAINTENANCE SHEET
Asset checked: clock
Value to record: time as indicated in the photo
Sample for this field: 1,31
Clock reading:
9,04
